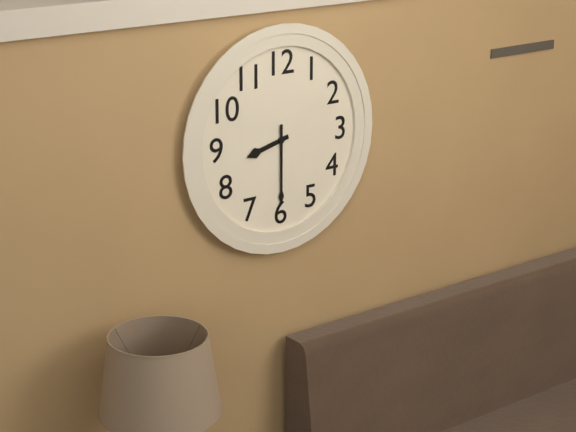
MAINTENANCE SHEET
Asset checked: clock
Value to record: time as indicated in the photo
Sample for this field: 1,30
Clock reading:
8,30
